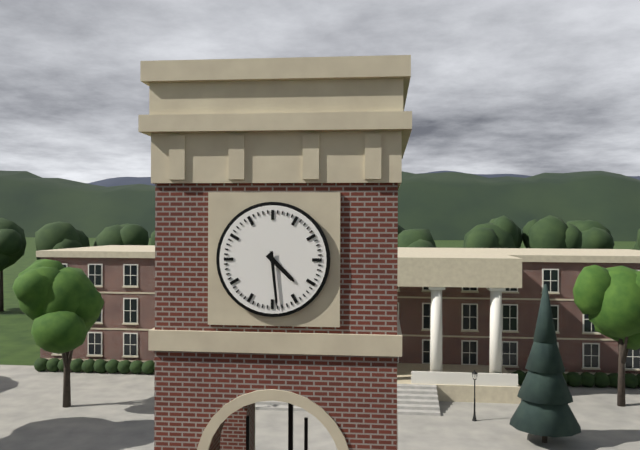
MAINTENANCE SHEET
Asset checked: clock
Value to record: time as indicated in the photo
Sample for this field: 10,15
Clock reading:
4,29
